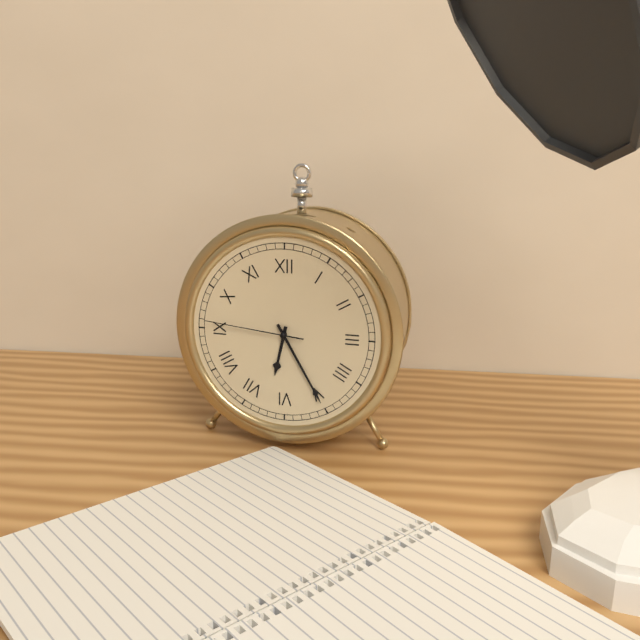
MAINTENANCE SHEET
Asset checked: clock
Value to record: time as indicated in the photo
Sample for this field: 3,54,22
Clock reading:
6,25,46
